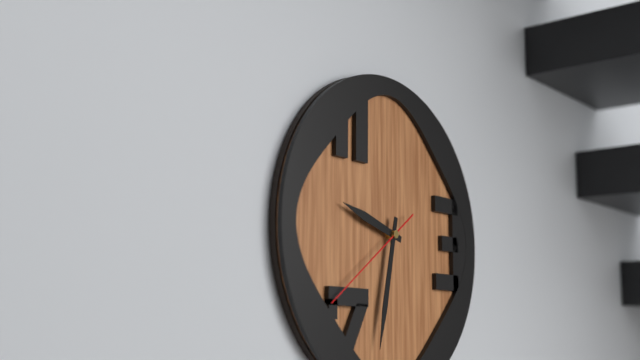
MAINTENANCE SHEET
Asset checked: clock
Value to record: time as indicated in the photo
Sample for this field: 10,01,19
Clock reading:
9,32,39
